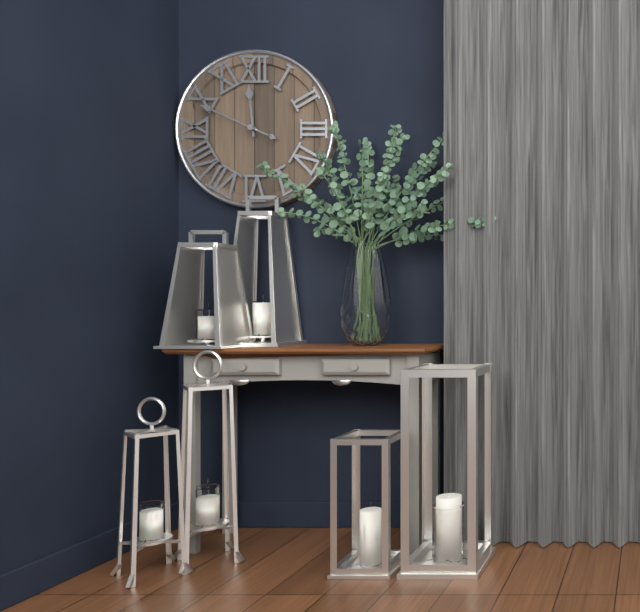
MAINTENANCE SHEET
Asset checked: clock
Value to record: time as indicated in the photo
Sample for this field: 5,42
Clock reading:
11,49
